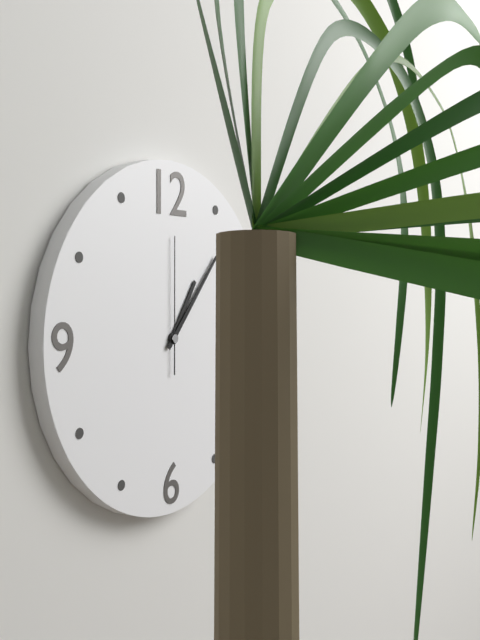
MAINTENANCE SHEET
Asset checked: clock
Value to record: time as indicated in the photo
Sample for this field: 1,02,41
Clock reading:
1,07,00
